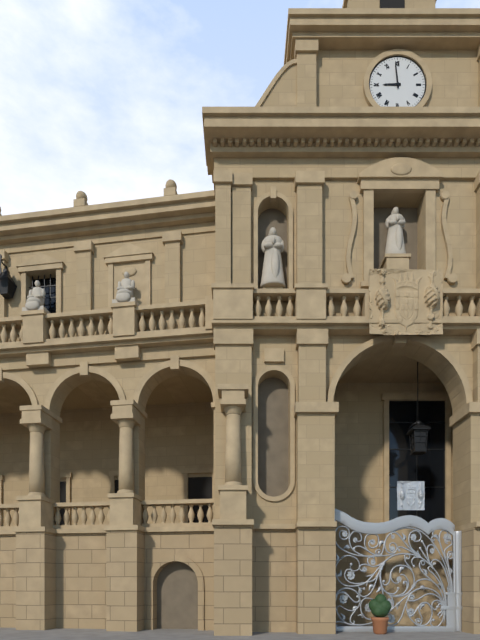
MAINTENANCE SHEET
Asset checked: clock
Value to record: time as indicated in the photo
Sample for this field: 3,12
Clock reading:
8,59
